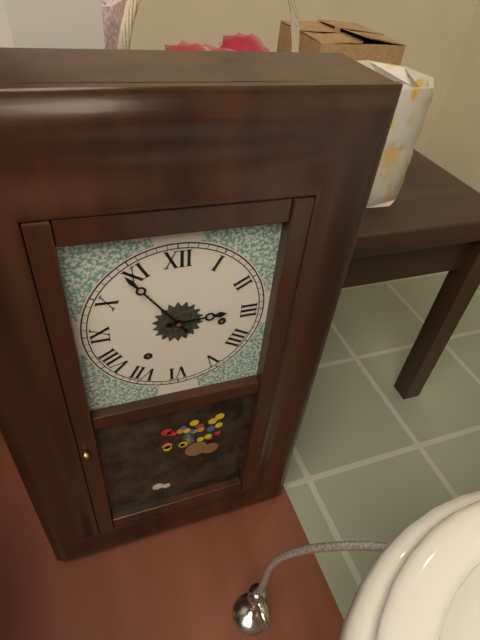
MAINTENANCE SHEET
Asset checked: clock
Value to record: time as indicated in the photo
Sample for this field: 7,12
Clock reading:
2,54
